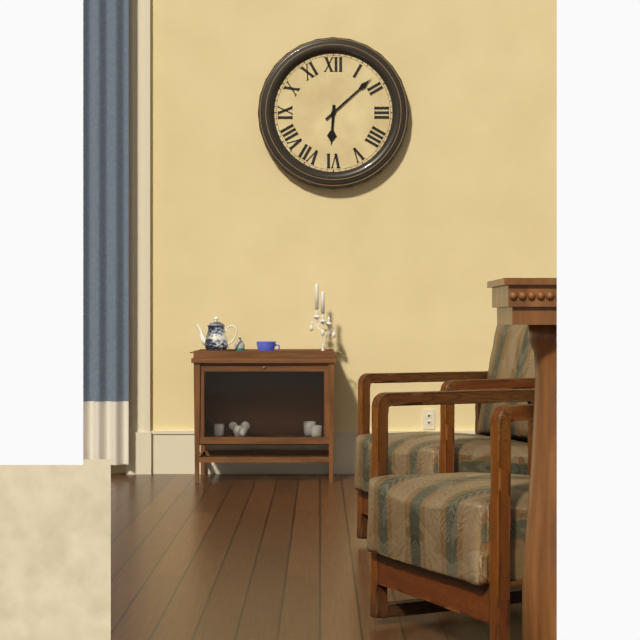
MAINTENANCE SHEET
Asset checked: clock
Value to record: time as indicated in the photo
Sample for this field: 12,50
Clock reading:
6,08
